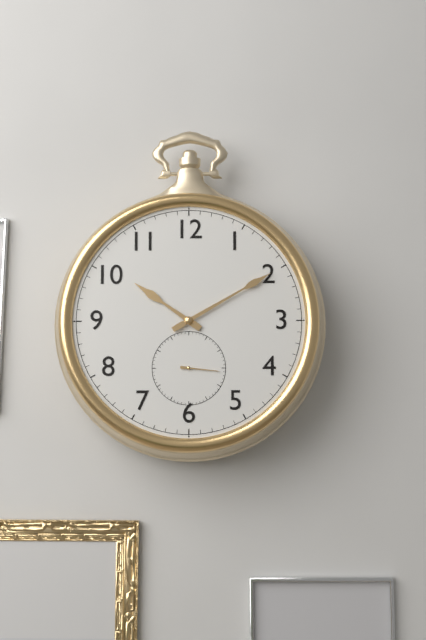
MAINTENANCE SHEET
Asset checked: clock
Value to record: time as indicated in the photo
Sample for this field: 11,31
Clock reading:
10,10
